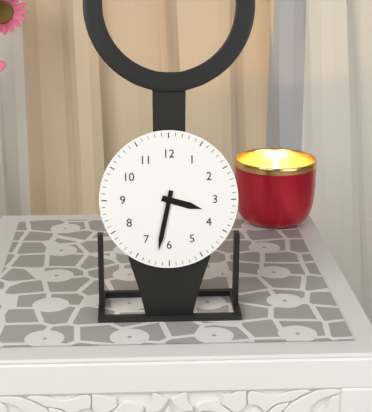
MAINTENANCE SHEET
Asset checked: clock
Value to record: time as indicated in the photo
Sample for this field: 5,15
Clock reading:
3,32
